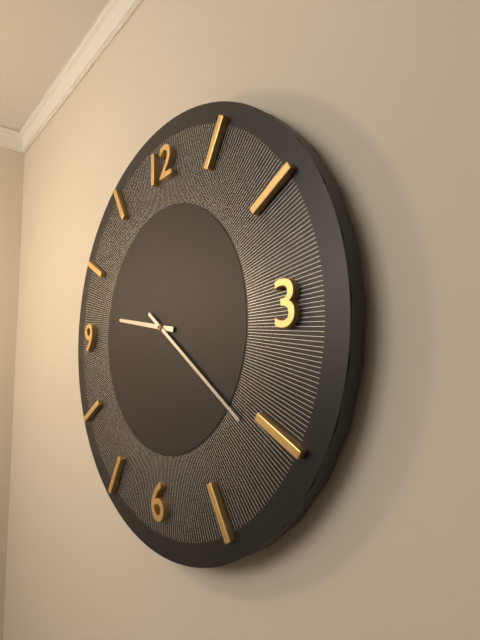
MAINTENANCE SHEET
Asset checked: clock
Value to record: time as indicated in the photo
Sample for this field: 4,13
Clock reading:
9,21
